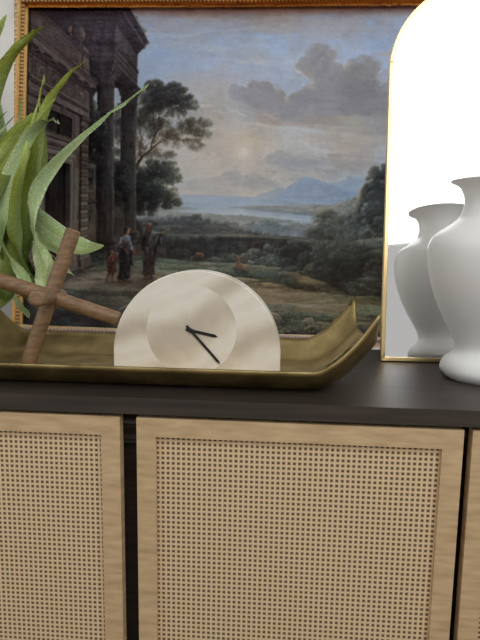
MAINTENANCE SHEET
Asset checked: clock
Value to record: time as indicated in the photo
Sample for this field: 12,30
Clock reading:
3,23
